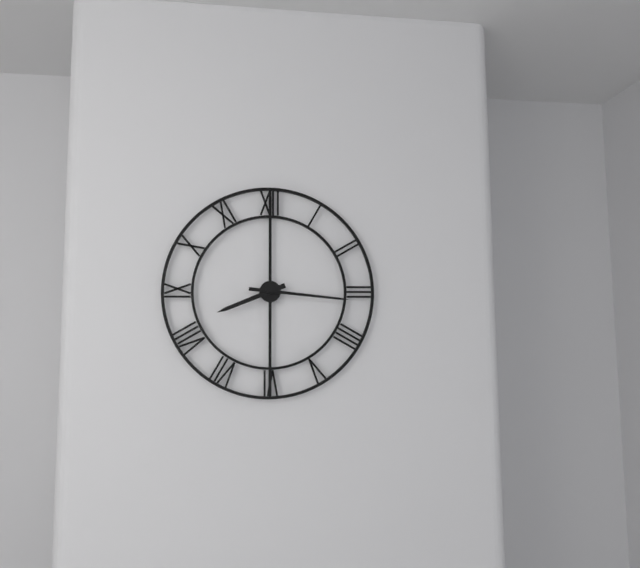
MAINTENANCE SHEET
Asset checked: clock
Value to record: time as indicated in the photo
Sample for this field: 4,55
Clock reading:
8,16
